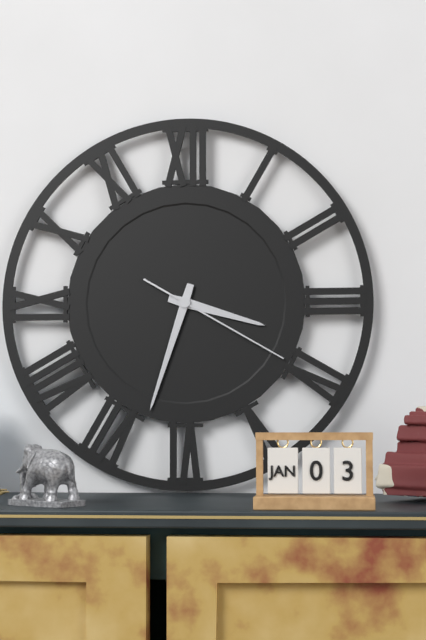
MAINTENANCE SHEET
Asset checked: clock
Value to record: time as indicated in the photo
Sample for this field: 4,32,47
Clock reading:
3,33,20
